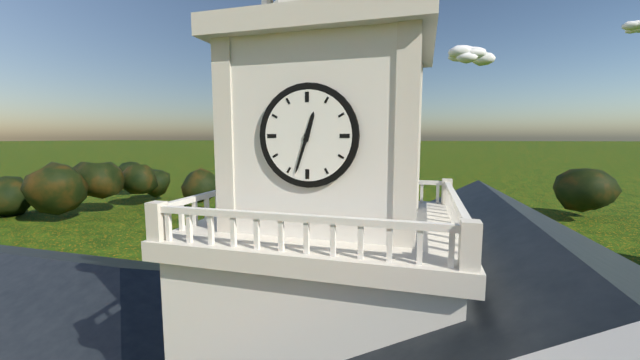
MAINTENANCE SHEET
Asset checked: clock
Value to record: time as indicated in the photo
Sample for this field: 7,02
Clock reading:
12,33
